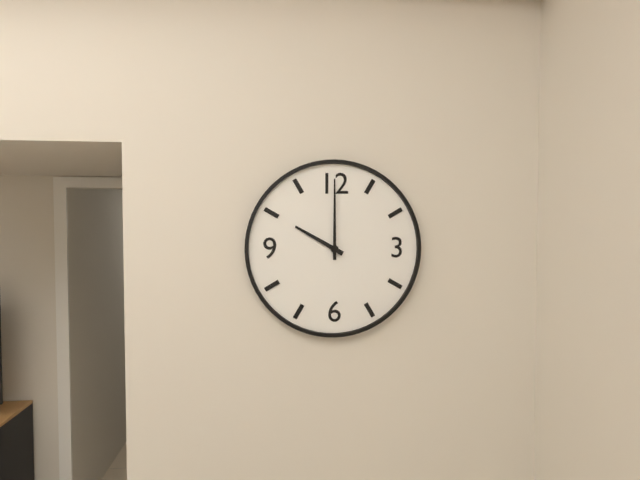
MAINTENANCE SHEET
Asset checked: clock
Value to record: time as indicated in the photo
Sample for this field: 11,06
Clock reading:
10,00
